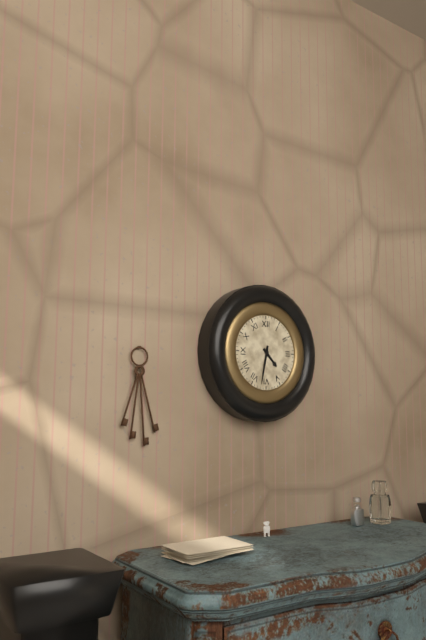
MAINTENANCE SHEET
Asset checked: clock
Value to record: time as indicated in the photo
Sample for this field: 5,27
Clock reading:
4,32
